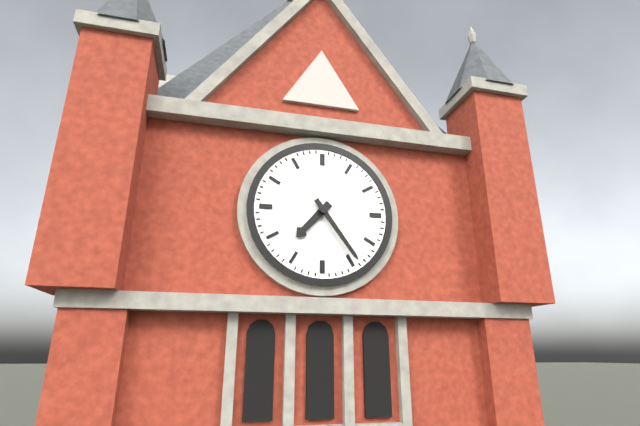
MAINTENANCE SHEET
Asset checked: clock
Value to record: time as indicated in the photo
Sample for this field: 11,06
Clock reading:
7,24
